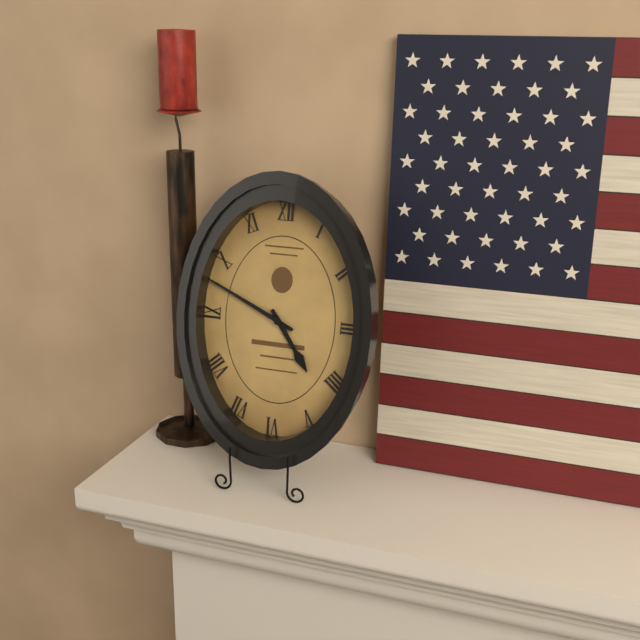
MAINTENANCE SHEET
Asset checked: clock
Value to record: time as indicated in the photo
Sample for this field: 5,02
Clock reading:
4,49
